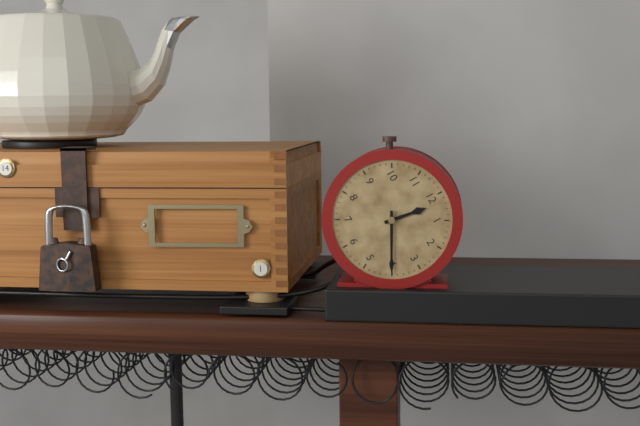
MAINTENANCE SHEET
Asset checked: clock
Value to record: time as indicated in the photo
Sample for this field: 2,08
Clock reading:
12,20
